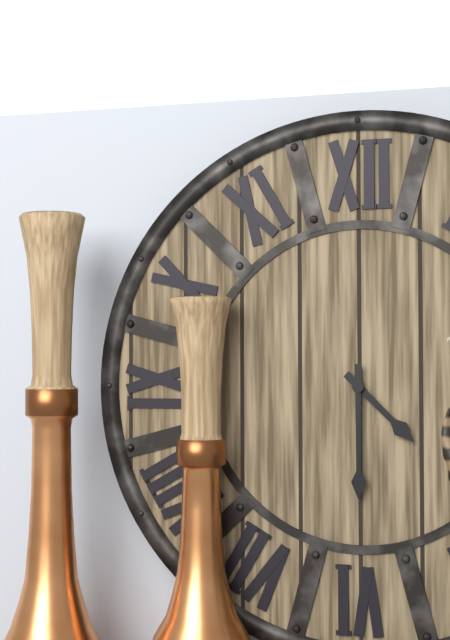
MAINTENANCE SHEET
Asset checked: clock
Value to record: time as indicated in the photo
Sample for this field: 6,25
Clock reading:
4,30
